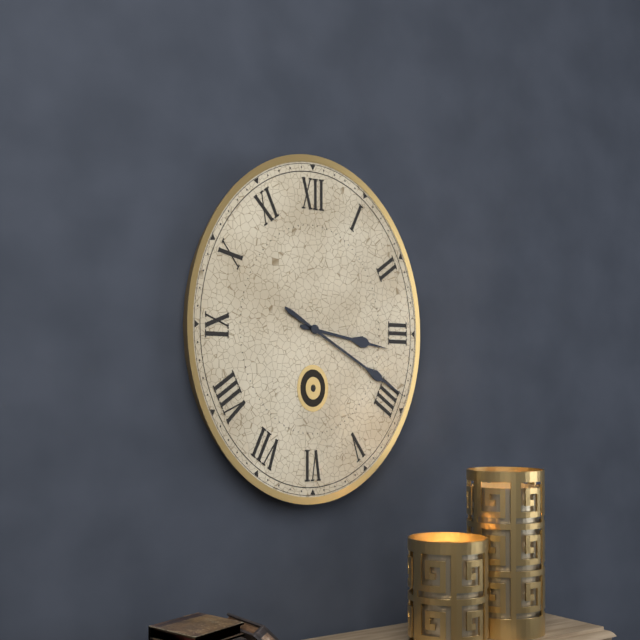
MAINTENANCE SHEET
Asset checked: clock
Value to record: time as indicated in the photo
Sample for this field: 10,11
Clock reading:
3,20
